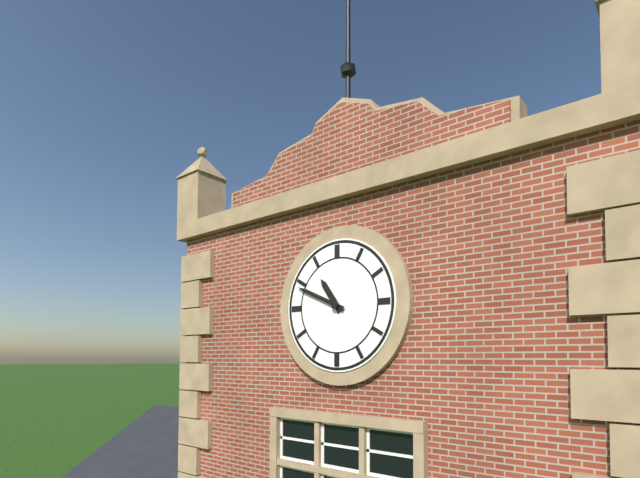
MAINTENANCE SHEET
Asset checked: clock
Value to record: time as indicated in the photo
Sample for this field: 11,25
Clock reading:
10,49
